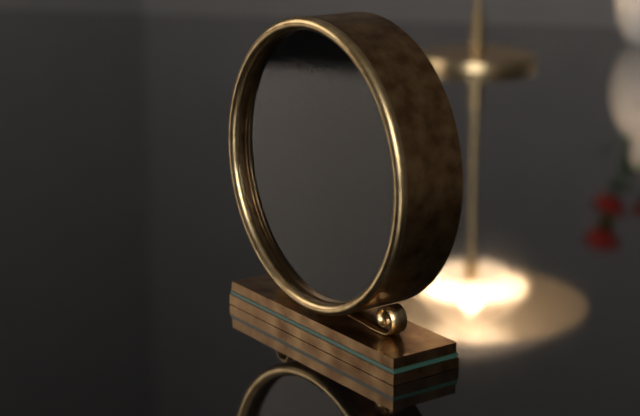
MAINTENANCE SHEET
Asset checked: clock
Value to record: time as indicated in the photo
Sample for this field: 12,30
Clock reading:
12,49
